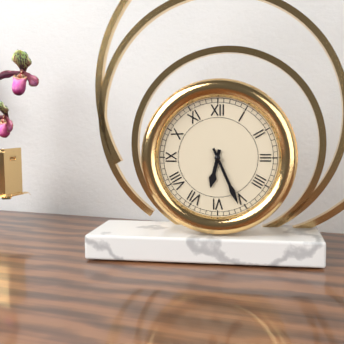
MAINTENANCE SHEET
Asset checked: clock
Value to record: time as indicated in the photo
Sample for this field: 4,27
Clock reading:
6,26
